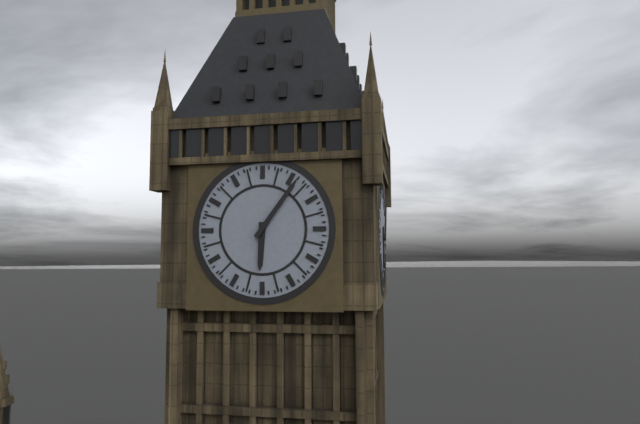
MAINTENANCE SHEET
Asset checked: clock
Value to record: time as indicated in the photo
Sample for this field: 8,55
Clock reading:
6,06
